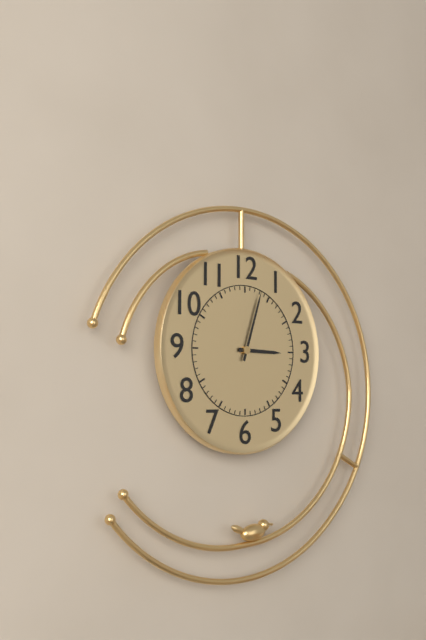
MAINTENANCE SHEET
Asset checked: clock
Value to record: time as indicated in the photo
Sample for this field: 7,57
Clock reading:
3,03
